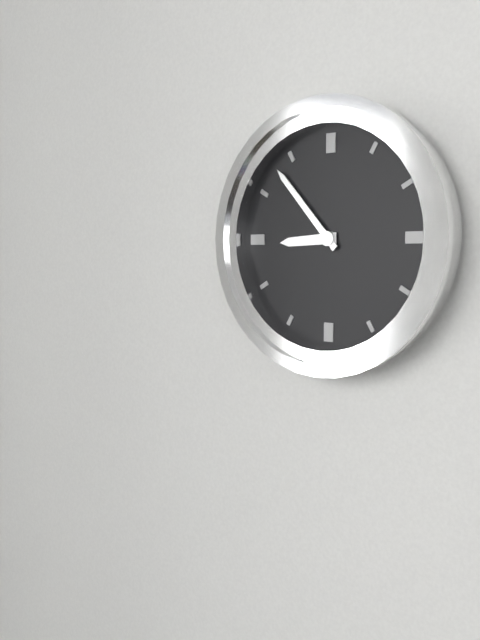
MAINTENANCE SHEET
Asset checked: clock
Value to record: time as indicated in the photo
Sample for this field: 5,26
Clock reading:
8,53
